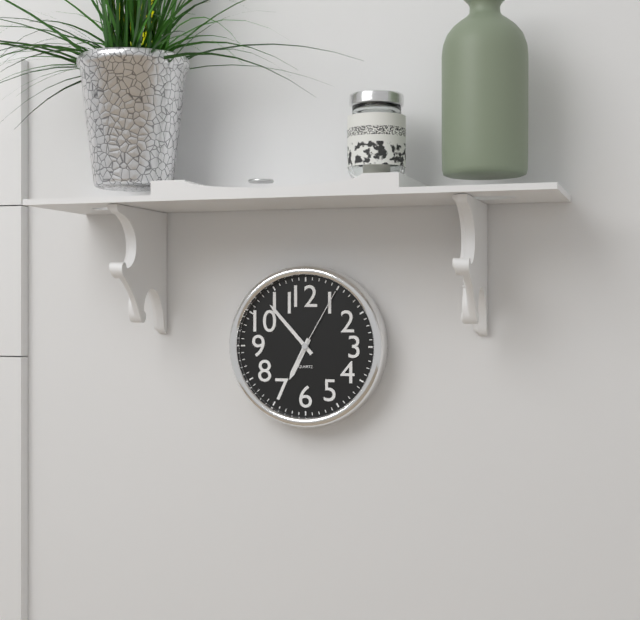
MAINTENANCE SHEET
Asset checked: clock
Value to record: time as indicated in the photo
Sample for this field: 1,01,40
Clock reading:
6,53,05
